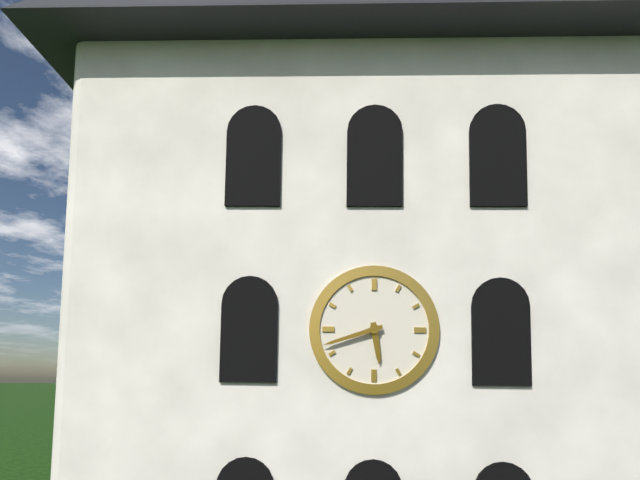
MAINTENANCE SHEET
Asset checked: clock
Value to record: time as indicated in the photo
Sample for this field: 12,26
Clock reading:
5,42
